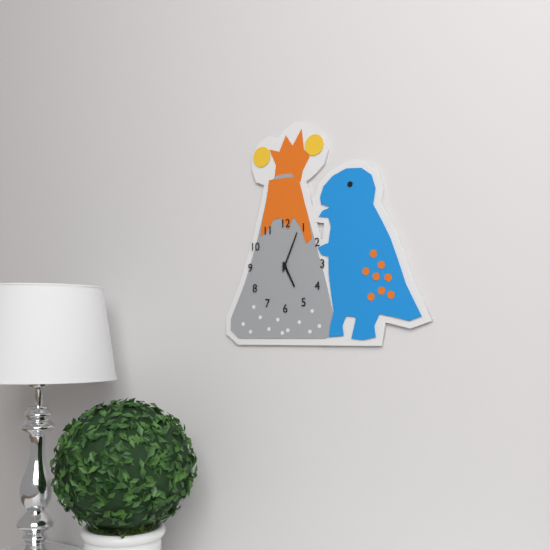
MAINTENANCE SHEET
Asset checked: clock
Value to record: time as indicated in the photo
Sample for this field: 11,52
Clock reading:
5,04
